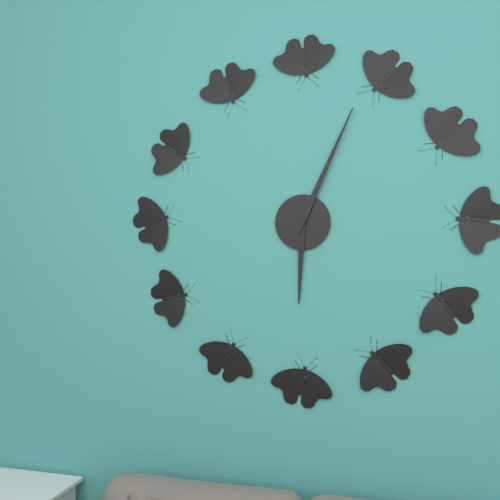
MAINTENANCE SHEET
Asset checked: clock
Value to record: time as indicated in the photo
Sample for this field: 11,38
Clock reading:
6,04
